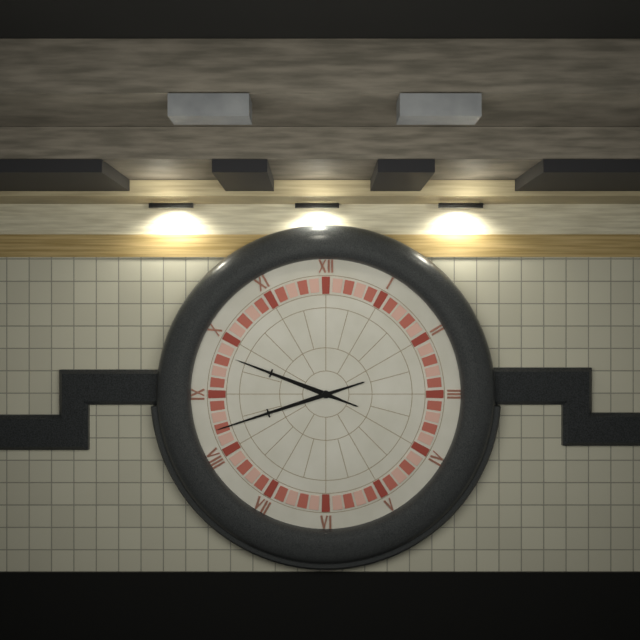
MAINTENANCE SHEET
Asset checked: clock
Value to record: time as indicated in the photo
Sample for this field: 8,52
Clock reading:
9,42
